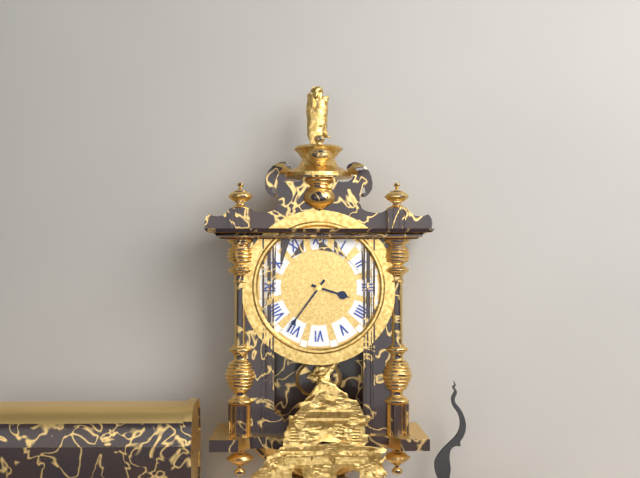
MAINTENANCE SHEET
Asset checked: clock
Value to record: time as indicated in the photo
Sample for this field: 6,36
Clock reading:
3,36
